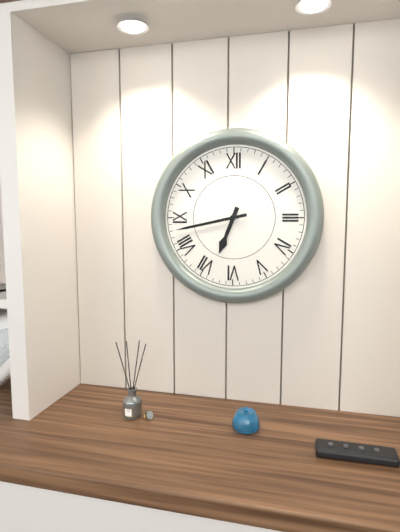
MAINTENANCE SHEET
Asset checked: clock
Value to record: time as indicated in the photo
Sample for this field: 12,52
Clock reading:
6,43
